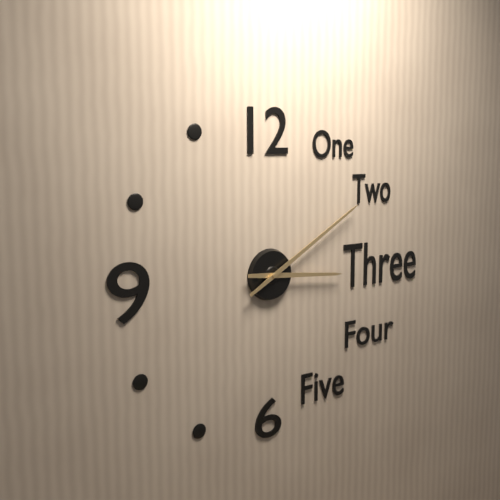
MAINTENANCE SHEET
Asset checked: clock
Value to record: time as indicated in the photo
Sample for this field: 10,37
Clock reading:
3,10
